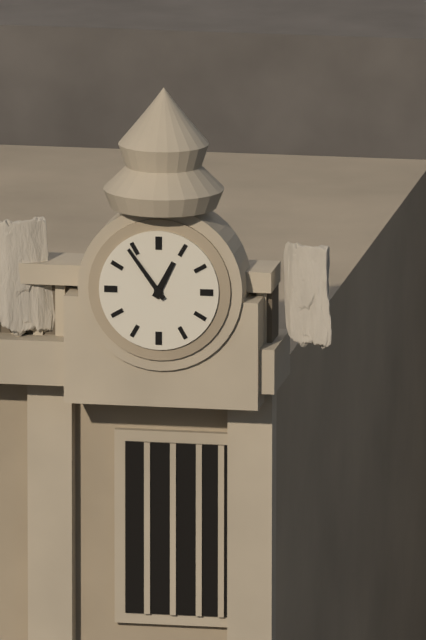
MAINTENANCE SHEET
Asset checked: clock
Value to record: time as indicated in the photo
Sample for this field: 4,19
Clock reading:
12,54
